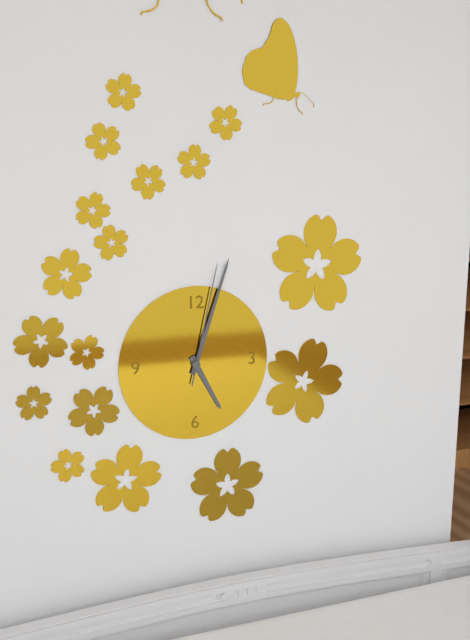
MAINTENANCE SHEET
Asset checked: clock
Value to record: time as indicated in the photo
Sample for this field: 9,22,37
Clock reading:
5,03,02
